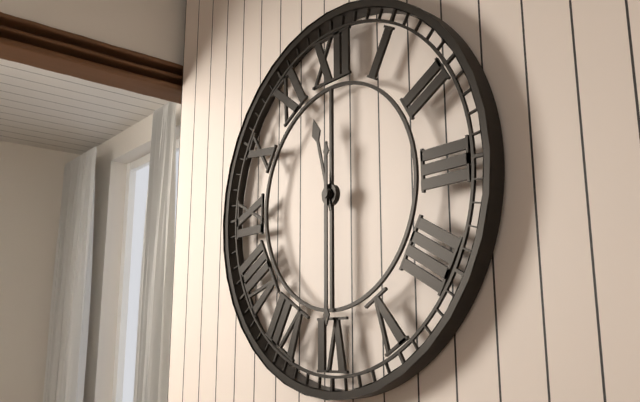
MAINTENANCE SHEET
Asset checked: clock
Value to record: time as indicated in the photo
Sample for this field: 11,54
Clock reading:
11,30
